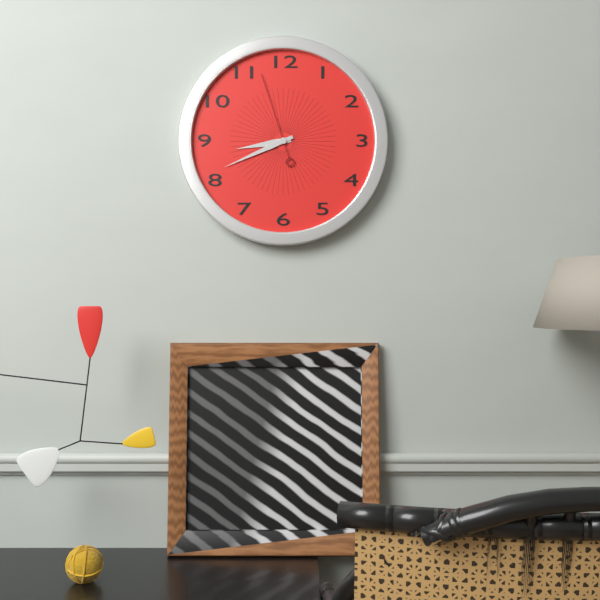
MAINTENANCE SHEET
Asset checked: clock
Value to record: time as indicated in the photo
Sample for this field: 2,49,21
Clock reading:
8,41,57
